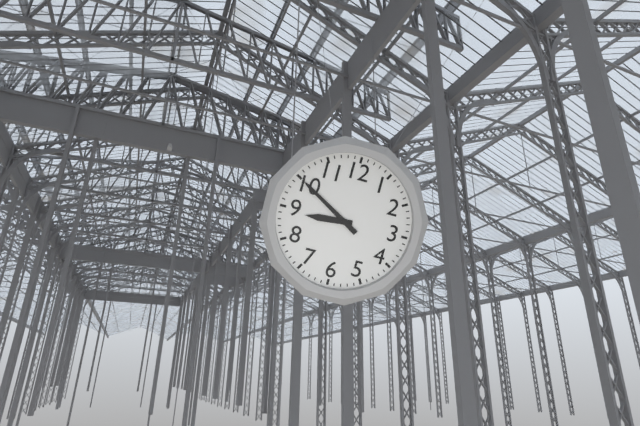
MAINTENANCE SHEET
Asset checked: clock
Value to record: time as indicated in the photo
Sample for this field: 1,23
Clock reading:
8,50
